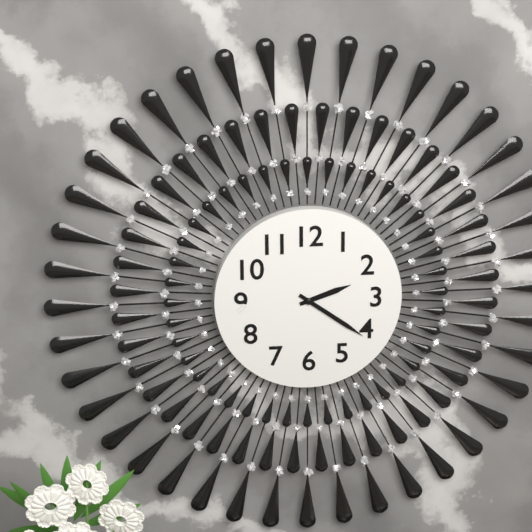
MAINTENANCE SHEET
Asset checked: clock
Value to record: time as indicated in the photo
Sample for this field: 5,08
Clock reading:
2,21
